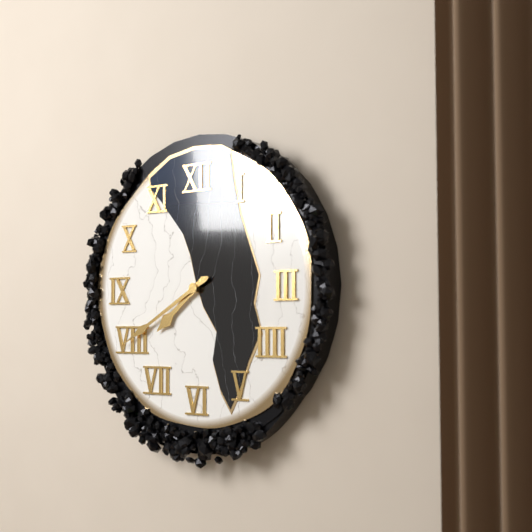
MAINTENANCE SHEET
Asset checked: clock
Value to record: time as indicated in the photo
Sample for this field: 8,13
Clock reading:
7,40
